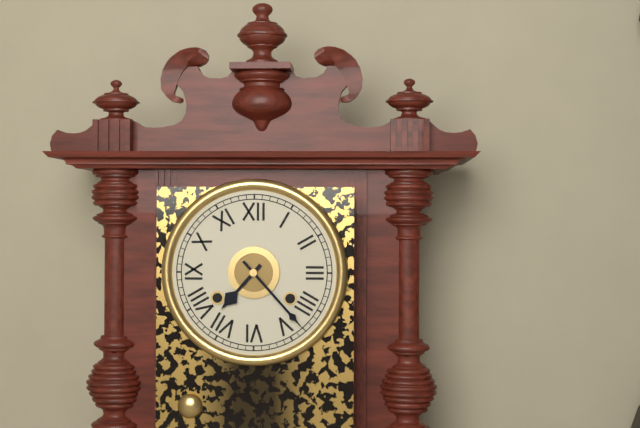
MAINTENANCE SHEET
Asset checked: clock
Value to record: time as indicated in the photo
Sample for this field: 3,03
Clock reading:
7,23
